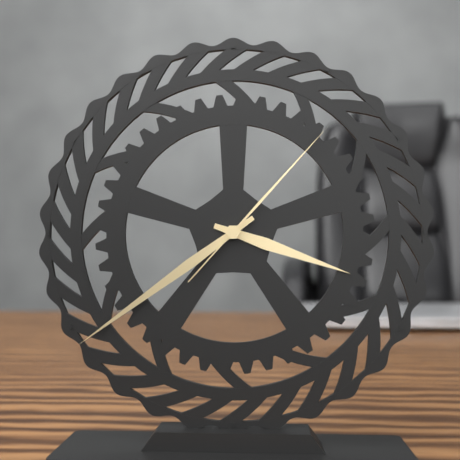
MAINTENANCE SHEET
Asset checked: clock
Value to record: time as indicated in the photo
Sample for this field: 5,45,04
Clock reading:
3,39,07
